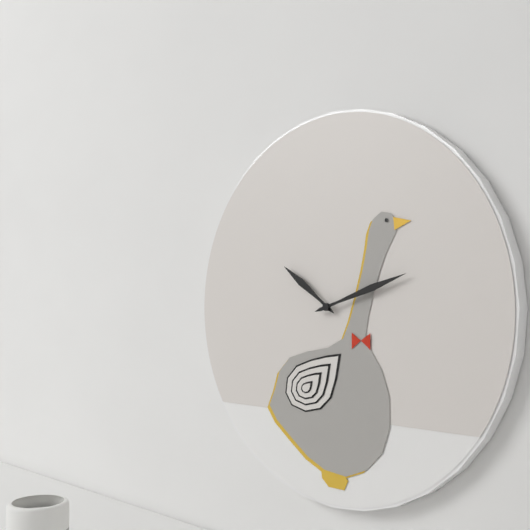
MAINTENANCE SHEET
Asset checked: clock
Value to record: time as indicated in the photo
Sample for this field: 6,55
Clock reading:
10,12
